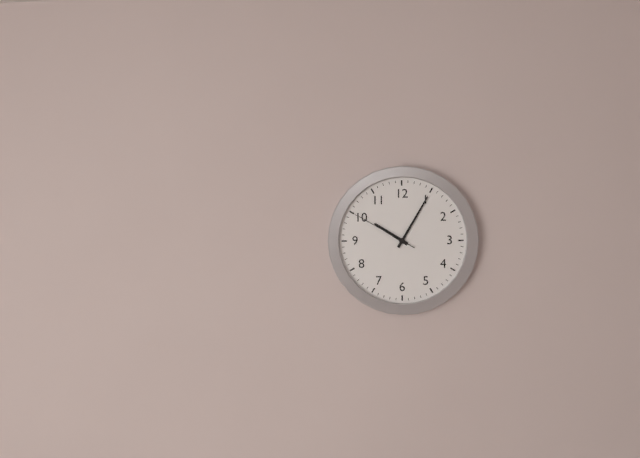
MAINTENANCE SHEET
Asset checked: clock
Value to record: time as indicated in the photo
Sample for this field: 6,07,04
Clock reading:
10,05,50
